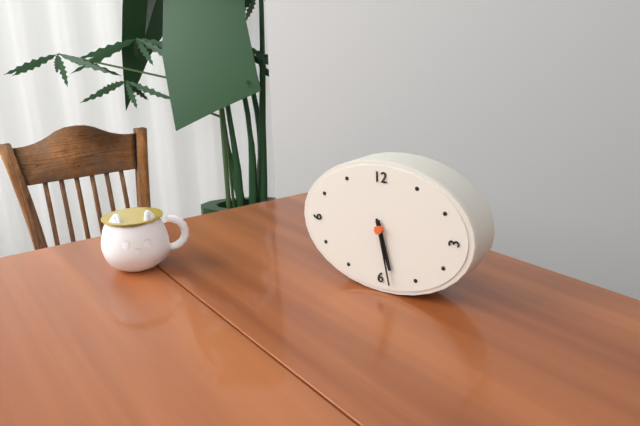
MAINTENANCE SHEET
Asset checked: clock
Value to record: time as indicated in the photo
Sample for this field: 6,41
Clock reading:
5,28
